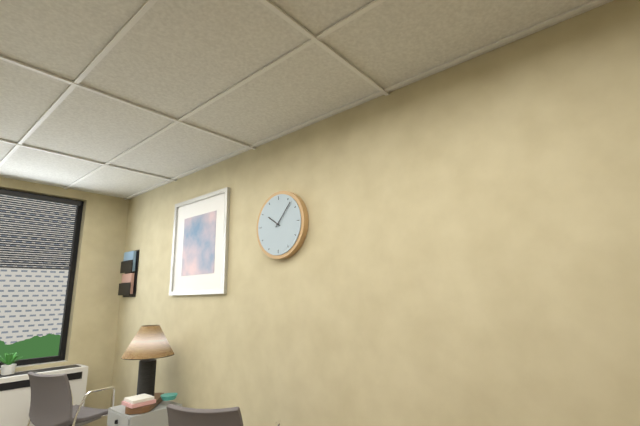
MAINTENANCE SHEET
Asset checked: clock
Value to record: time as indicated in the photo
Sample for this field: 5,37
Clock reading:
10,07
